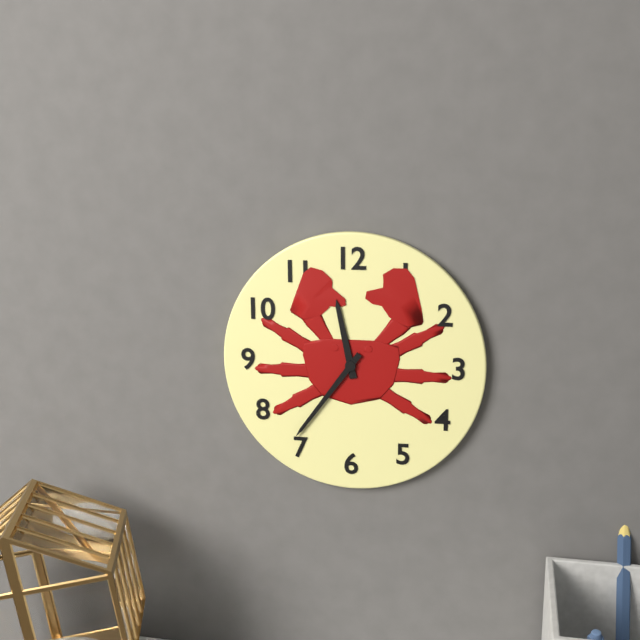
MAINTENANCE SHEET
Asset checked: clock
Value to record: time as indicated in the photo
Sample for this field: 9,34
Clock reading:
11,36
